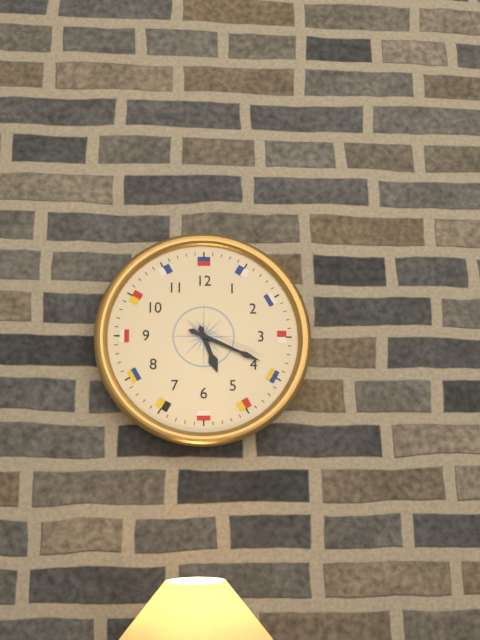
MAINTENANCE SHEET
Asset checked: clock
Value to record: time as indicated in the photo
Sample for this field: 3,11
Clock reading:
5,19
